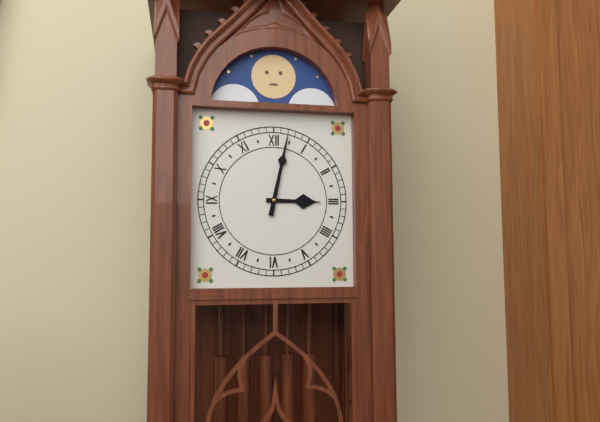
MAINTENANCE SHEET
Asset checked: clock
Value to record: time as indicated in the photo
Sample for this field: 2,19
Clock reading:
3,02
